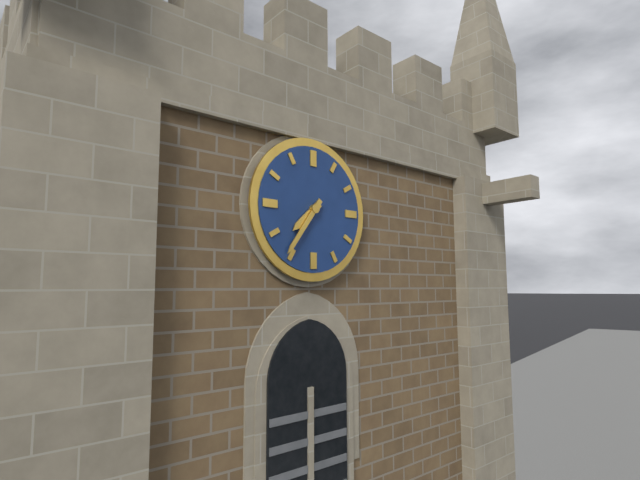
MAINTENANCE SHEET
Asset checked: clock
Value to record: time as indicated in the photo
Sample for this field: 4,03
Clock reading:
7,36
